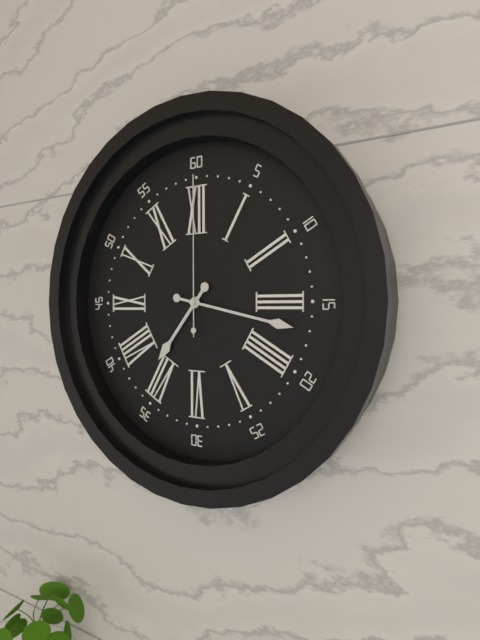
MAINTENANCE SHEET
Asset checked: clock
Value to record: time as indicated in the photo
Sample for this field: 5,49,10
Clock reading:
7,17,00
